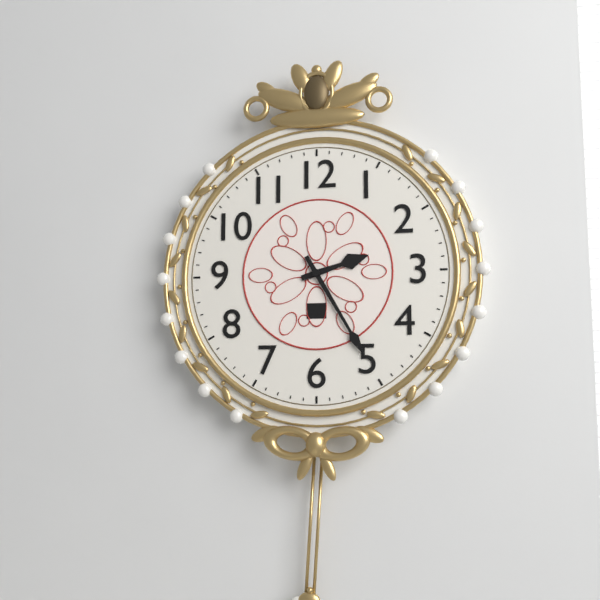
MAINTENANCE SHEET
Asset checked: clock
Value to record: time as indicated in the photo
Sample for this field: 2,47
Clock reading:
2,25
